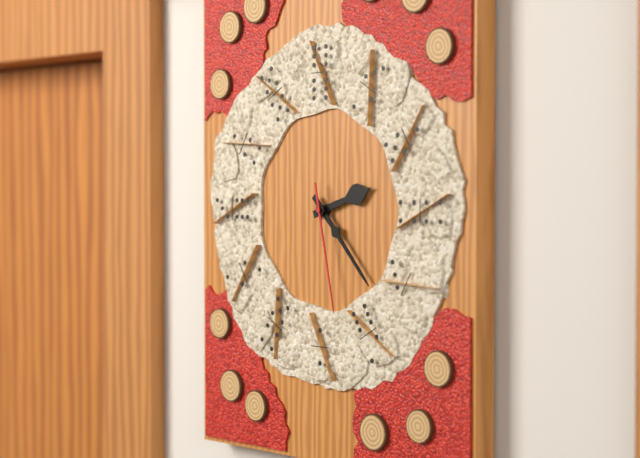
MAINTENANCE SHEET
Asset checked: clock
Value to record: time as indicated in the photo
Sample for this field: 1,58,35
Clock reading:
2,23,28
